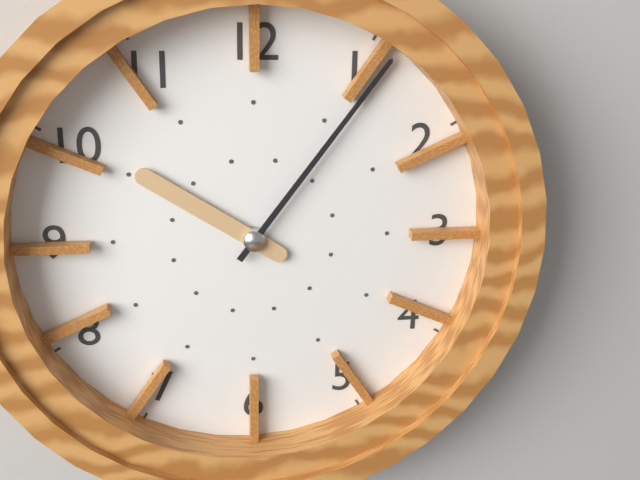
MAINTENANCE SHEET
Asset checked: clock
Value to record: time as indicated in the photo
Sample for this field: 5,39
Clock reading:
10,06
